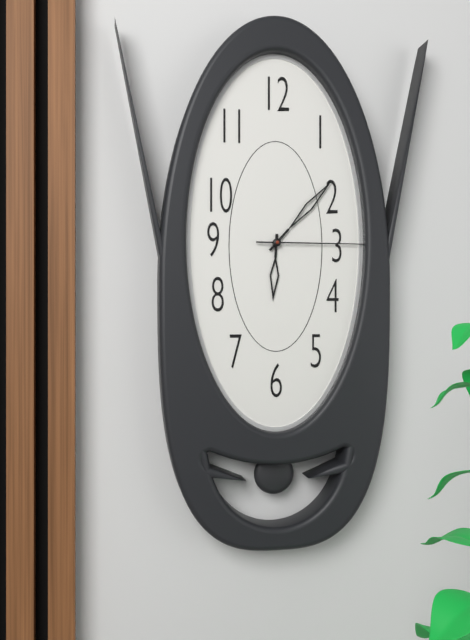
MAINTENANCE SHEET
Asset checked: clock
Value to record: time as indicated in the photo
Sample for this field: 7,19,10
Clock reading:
6,07,15
